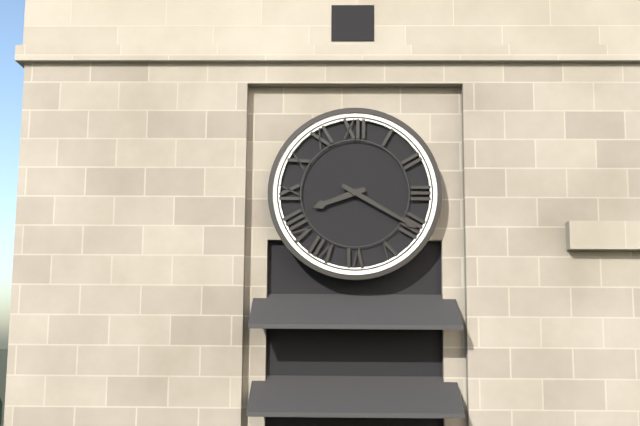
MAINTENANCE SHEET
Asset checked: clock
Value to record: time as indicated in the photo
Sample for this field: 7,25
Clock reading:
8,20
